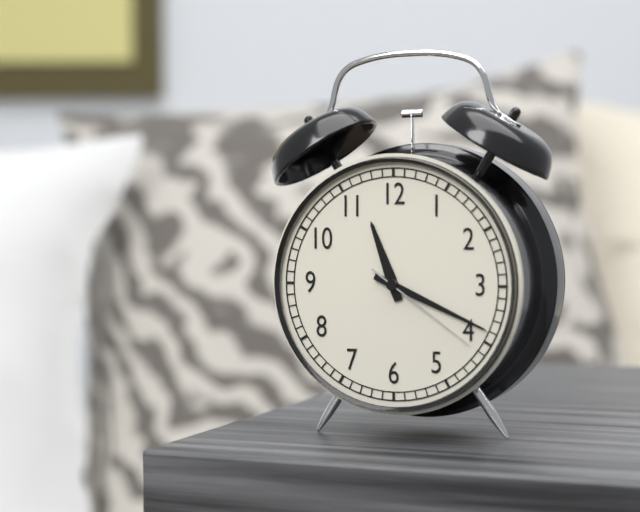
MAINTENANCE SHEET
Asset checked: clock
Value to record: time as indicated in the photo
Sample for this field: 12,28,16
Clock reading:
11,19,21
